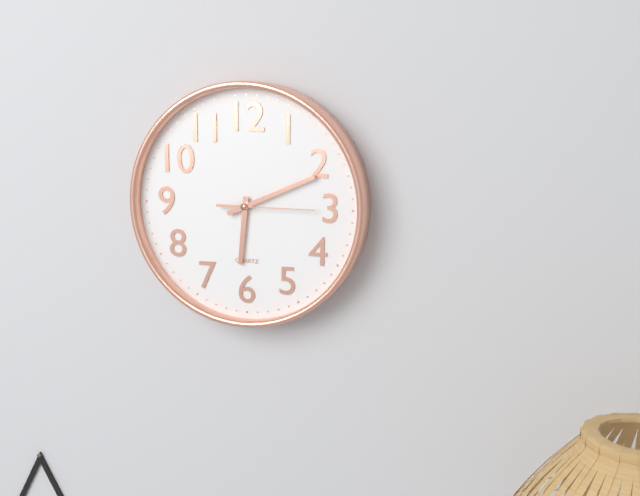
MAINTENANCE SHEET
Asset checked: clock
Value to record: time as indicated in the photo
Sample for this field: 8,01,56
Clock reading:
6,11,15
